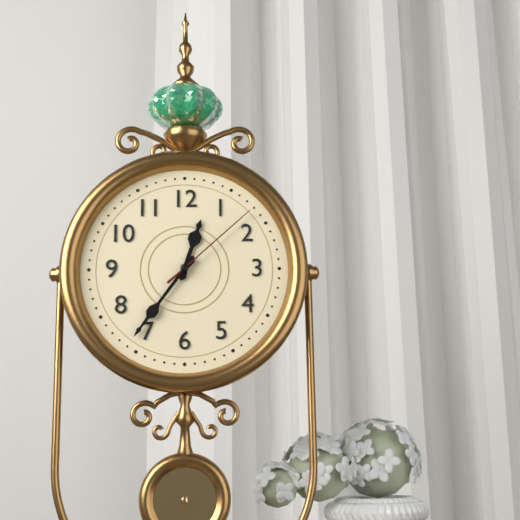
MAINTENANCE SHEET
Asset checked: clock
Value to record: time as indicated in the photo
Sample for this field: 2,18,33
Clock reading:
12,36,08
